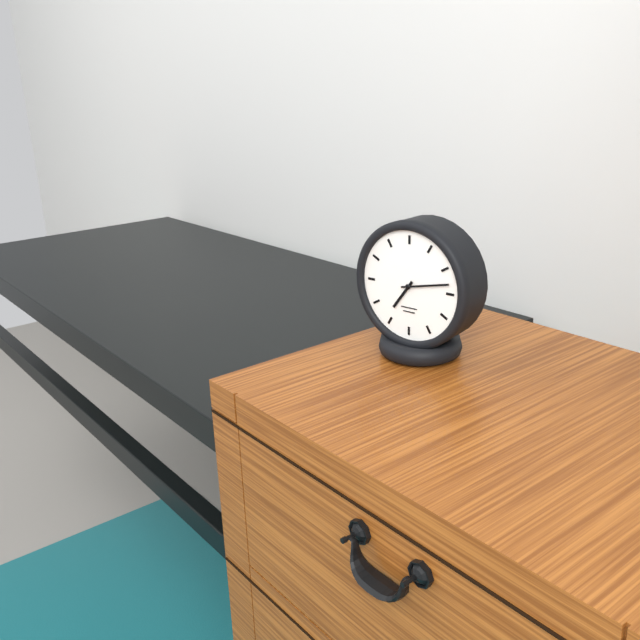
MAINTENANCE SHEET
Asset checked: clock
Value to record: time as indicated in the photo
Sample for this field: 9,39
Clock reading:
7,13
